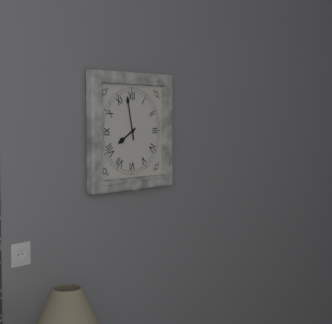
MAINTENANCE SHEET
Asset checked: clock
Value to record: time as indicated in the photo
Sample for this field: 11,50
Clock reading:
7,58
